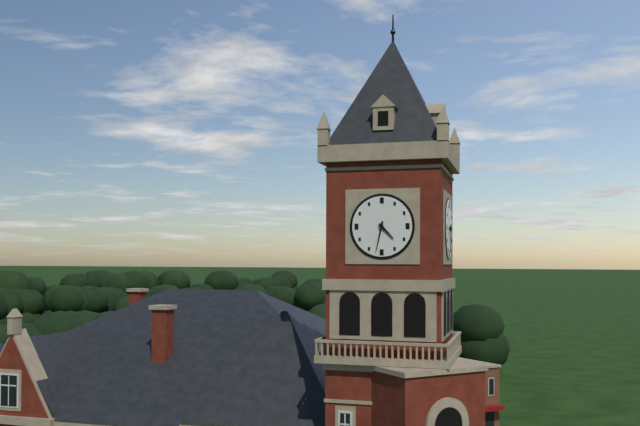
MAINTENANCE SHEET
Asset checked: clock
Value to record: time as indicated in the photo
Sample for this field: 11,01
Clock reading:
4,32
